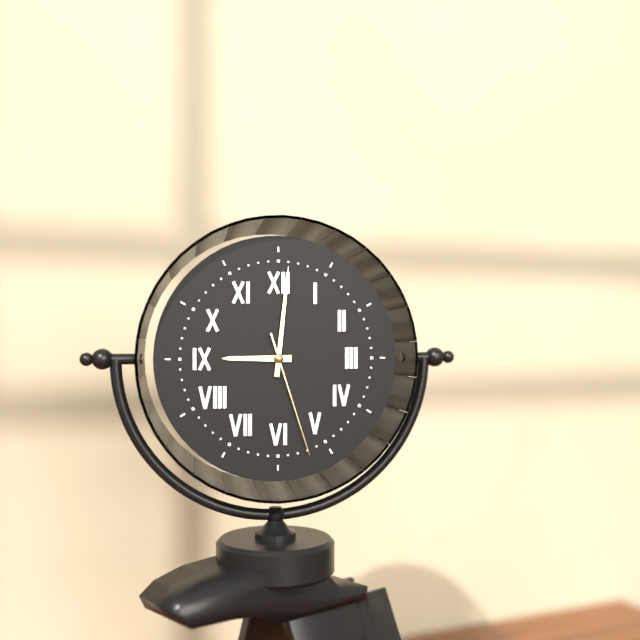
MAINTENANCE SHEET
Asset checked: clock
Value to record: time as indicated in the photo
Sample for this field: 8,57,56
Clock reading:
9,01,27
